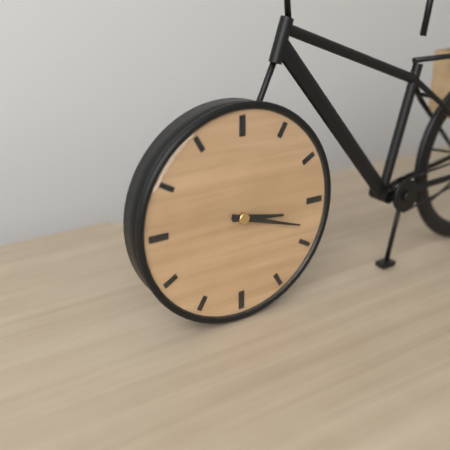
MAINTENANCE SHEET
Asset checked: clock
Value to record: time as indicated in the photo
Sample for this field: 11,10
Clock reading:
3,18
